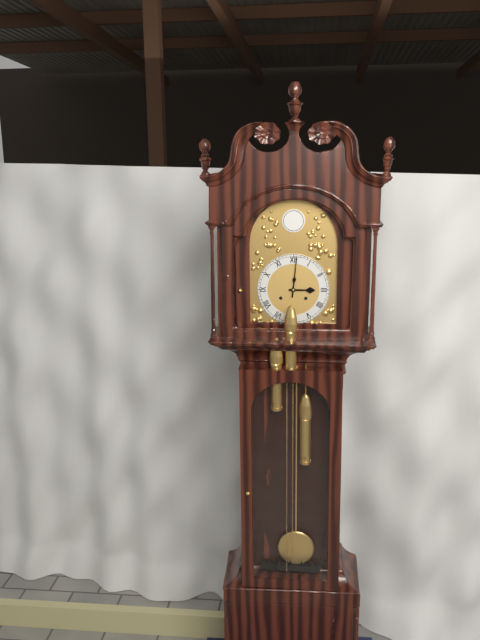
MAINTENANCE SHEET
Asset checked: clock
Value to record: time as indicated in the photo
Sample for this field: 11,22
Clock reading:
3,01
